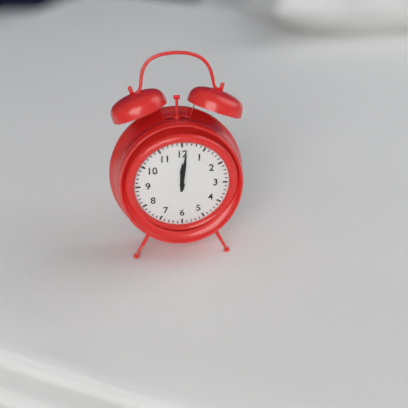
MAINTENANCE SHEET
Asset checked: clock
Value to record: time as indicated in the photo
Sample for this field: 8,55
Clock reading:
12,01
